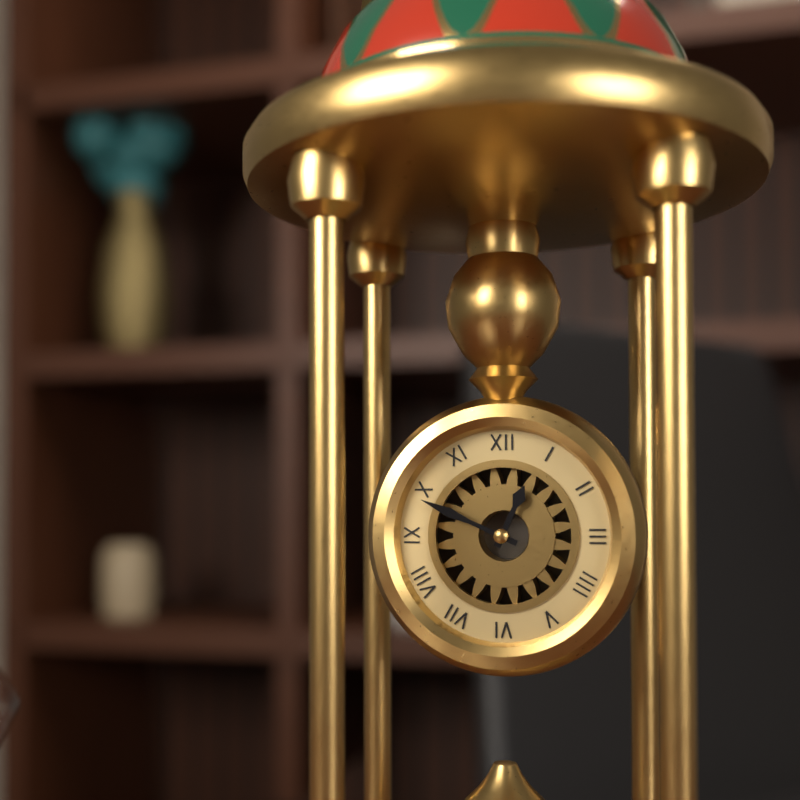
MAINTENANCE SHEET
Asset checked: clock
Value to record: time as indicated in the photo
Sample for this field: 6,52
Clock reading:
12,49
